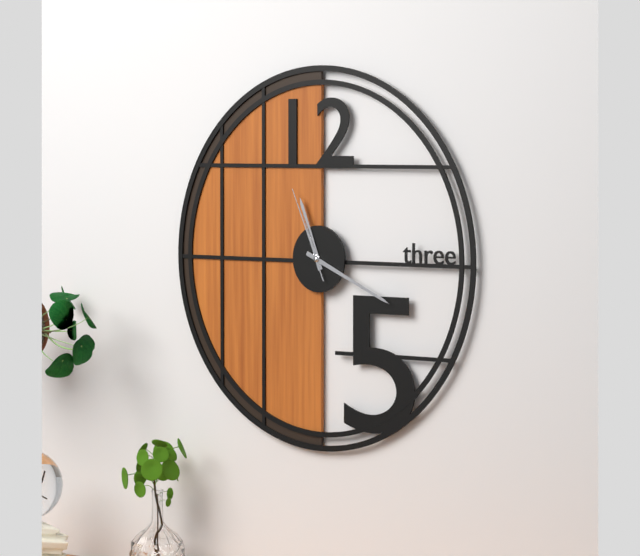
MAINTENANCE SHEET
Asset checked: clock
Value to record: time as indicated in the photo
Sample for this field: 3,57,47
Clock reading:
11,19,56
